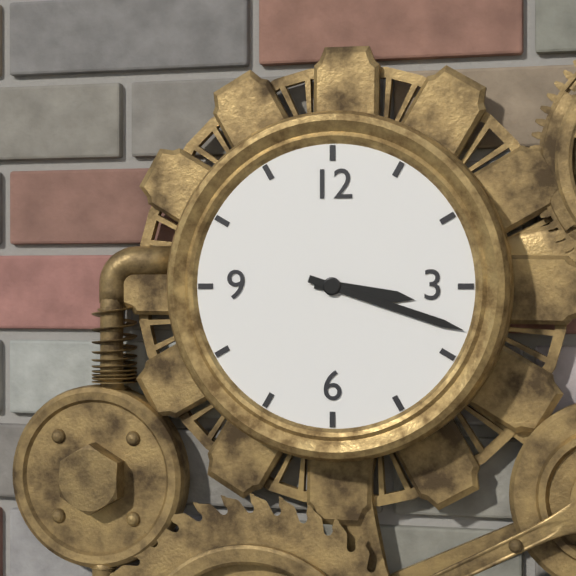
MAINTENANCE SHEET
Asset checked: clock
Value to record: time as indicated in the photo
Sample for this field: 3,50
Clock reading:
3,18
